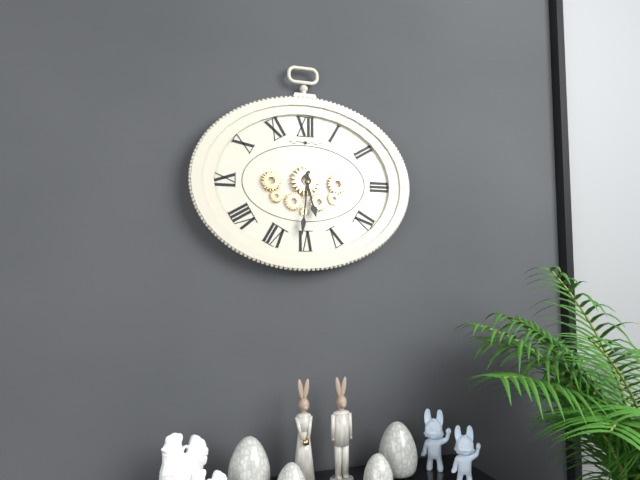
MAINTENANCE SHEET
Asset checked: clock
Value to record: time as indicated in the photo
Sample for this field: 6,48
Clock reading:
5,31
